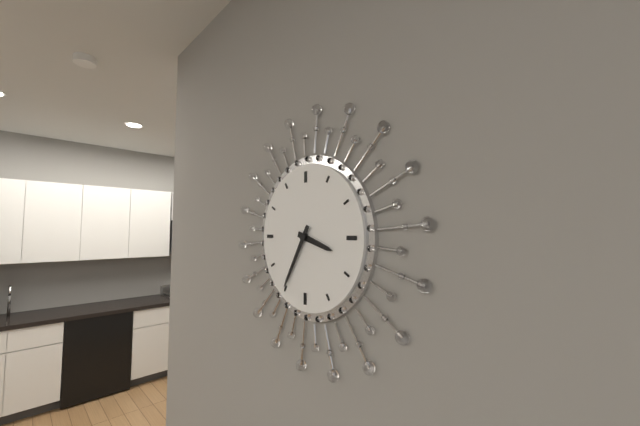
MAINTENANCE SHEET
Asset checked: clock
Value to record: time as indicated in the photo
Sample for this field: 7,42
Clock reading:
3,35
